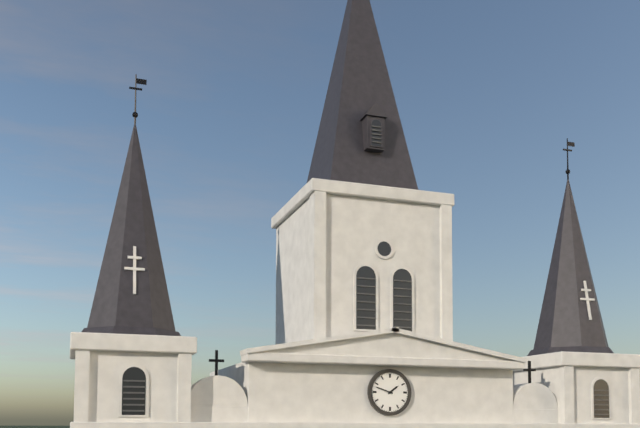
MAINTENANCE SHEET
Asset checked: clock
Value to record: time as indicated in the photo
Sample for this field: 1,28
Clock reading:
1,48
